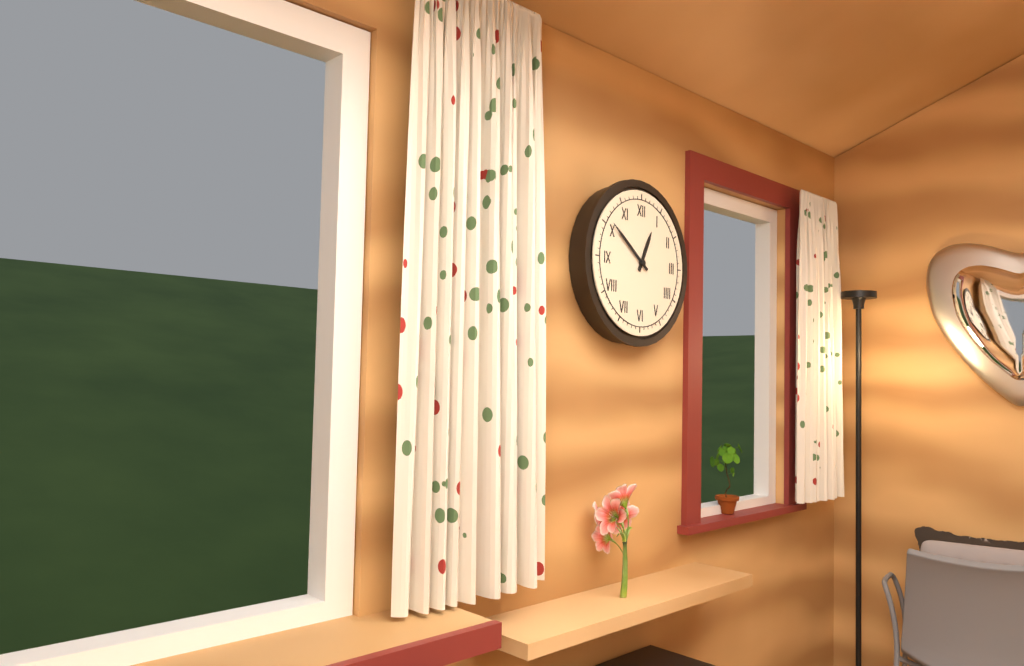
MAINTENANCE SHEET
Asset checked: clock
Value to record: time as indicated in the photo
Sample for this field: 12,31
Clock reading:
12,51
